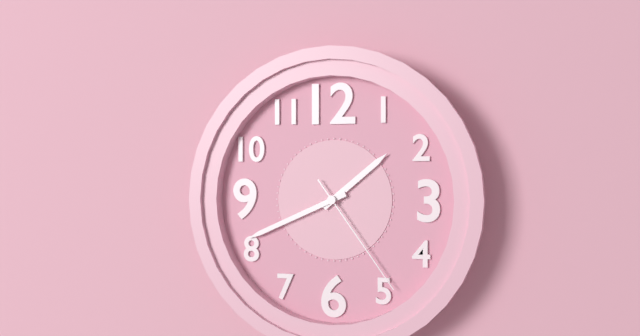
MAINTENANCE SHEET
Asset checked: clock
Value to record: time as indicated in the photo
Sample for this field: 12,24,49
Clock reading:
1,41,24
